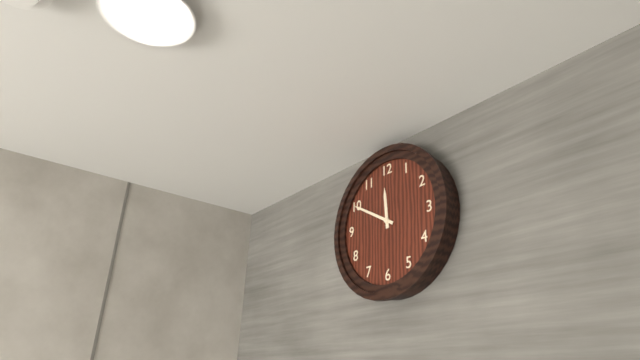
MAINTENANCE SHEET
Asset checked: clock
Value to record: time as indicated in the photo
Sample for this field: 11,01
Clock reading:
11,50
